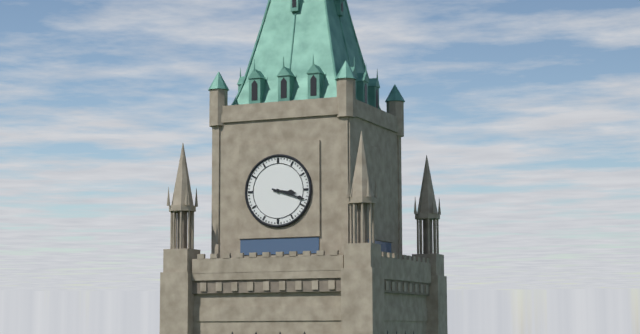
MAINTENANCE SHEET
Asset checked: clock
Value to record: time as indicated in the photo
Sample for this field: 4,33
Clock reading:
3,18
